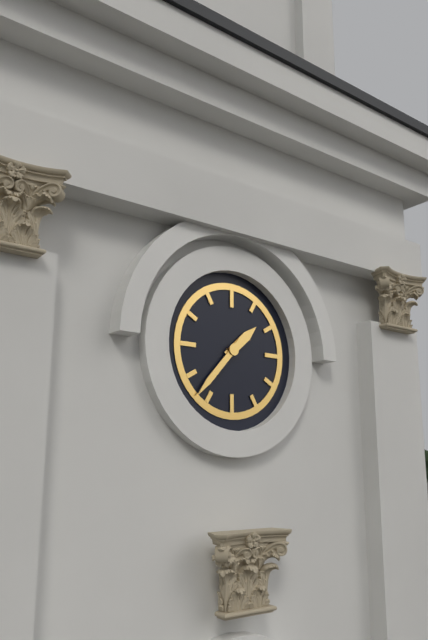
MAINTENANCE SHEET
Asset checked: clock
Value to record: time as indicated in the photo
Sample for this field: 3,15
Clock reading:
1,37
